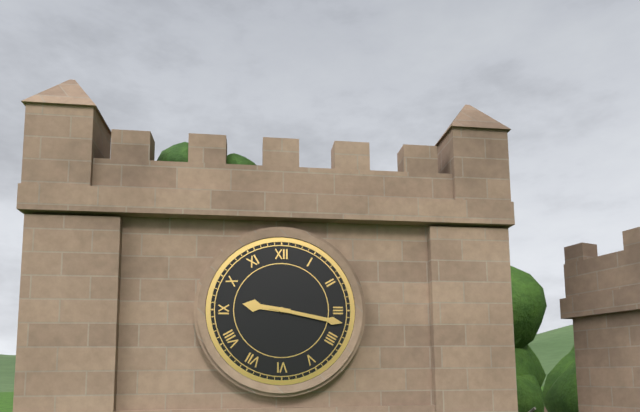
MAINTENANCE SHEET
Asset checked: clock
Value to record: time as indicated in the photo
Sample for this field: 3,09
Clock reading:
9,17
